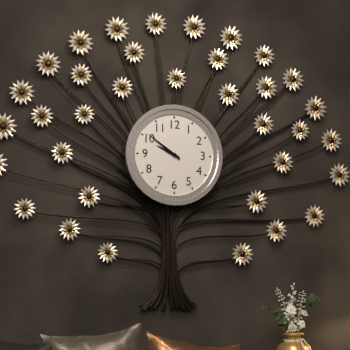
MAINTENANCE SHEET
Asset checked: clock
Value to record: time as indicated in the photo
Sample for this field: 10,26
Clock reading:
9,51
